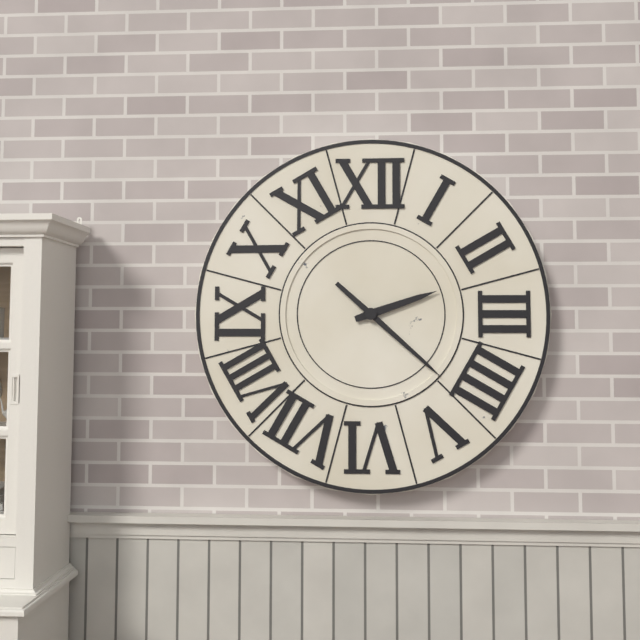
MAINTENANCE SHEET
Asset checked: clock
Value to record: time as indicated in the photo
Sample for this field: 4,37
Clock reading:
2,22
